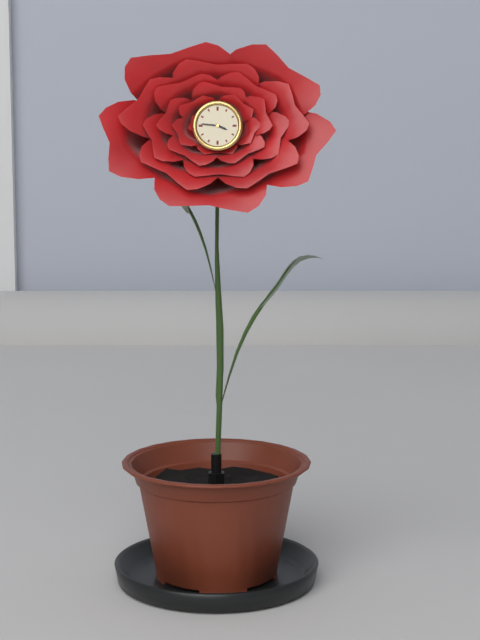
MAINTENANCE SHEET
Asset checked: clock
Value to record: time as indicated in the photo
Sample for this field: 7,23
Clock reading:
3,46
